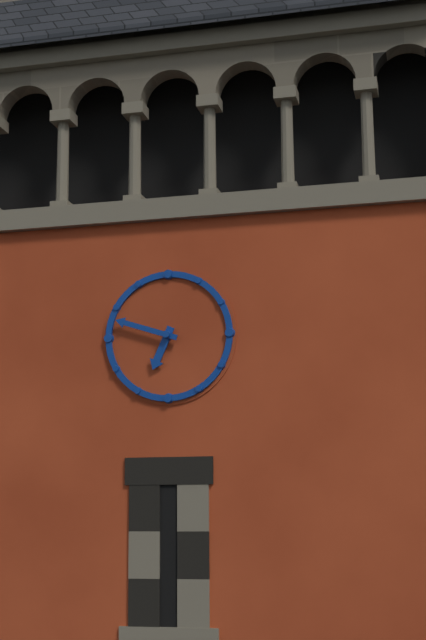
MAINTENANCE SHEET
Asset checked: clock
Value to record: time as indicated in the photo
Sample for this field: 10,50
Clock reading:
6,48
